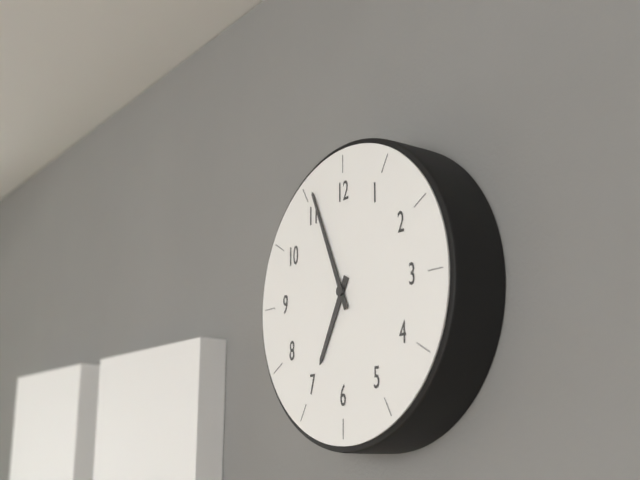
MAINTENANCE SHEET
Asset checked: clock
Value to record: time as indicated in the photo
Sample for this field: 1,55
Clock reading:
6,56
